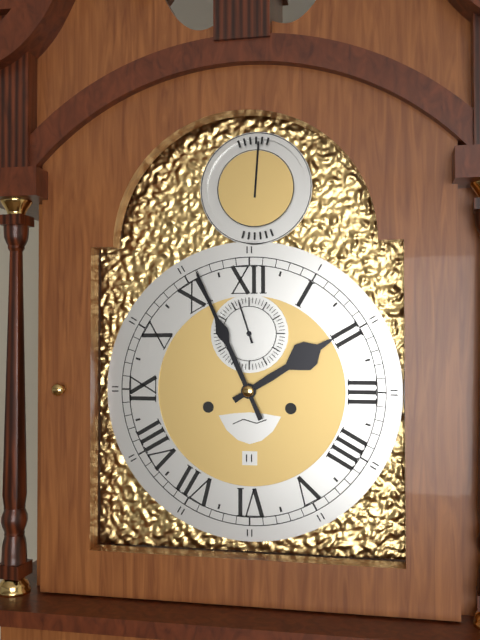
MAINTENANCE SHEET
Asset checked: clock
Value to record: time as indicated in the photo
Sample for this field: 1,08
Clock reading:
1,56
